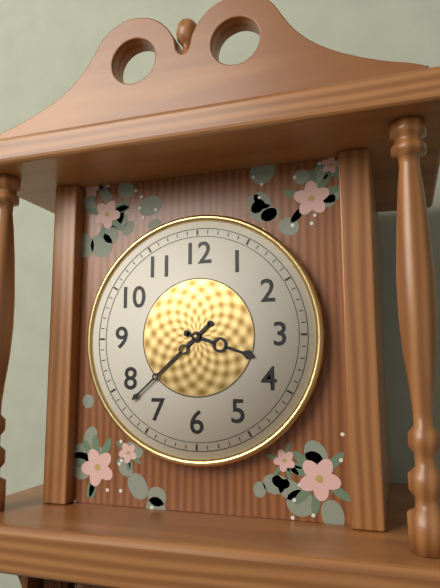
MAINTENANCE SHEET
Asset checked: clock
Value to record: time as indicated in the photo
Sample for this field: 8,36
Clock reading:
3,38
